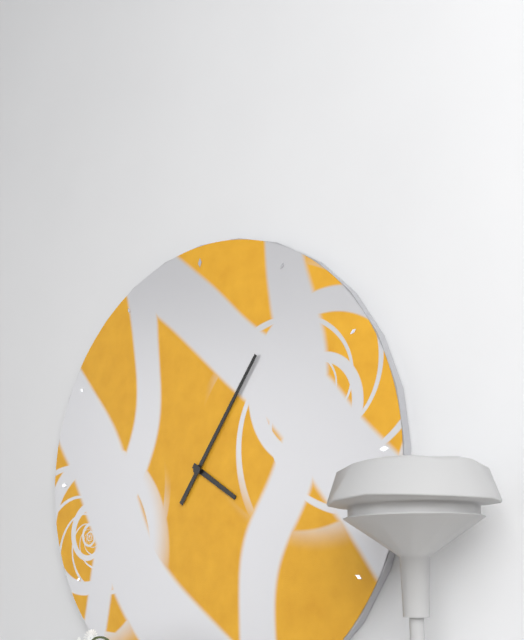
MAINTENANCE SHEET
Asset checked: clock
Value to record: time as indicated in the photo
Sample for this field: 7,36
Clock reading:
4,06
